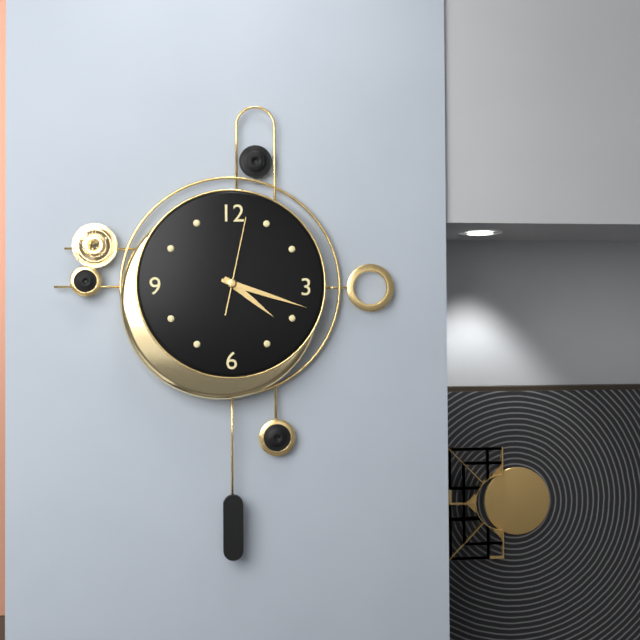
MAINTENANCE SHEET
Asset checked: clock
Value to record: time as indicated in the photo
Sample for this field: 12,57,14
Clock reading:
4,18,02
